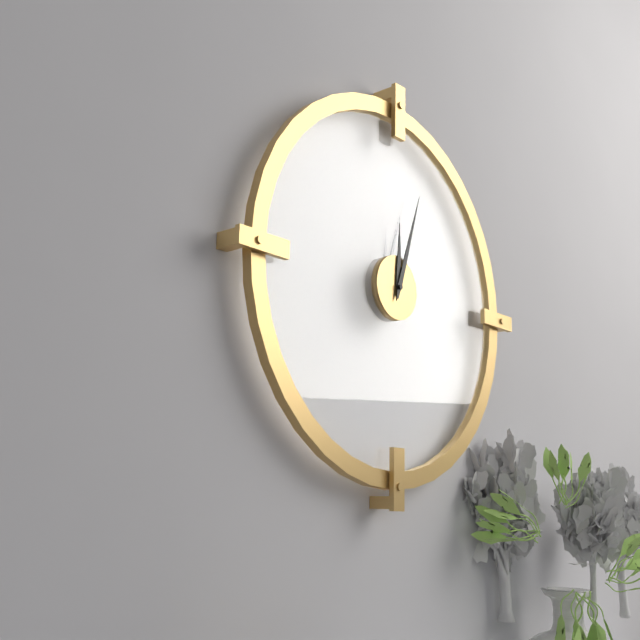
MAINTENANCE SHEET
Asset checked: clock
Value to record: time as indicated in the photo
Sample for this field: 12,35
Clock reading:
12,03
